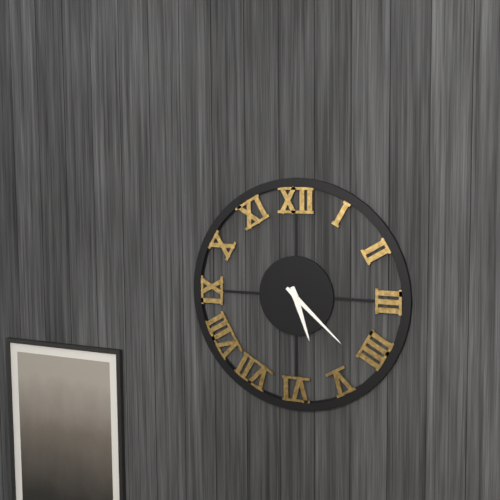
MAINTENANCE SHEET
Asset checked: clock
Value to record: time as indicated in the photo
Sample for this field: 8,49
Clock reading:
5,22
